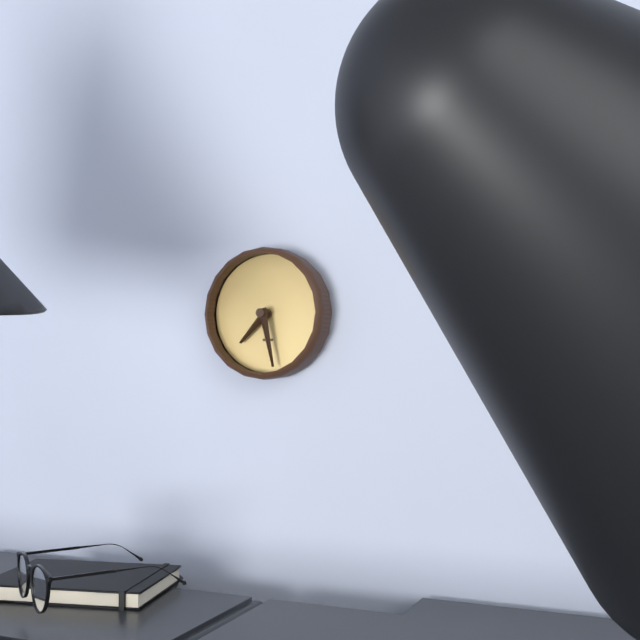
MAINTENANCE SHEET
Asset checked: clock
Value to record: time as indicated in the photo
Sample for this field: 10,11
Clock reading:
7,28
